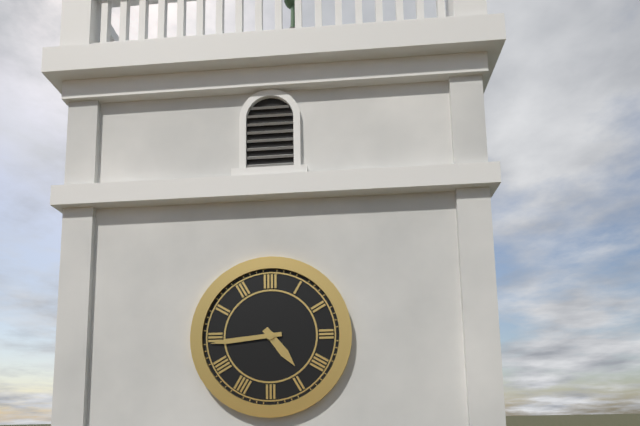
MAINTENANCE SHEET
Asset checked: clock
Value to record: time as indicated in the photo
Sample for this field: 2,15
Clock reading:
4,44
